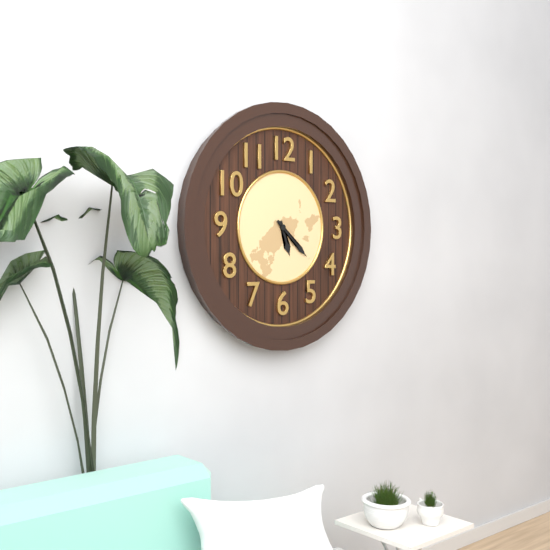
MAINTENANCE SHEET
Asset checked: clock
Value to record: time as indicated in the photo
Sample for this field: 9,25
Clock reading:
5,22
